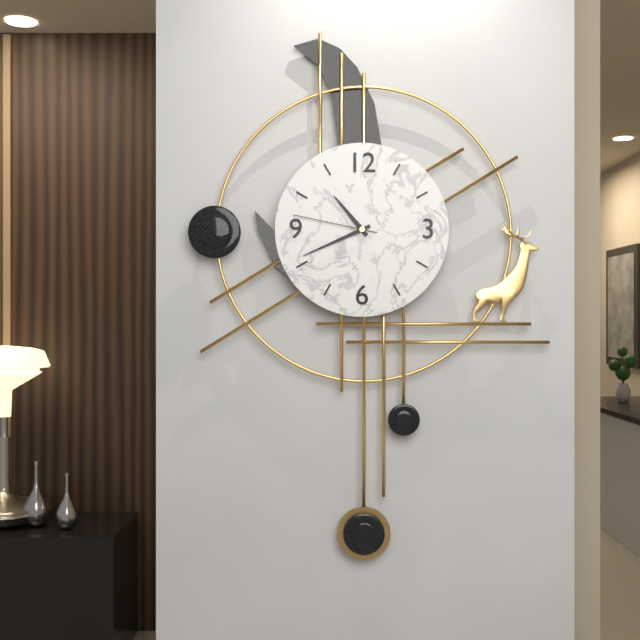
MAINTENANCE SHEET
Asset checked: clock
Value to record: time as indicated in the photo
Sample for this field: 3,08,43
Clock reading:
10,41,47
